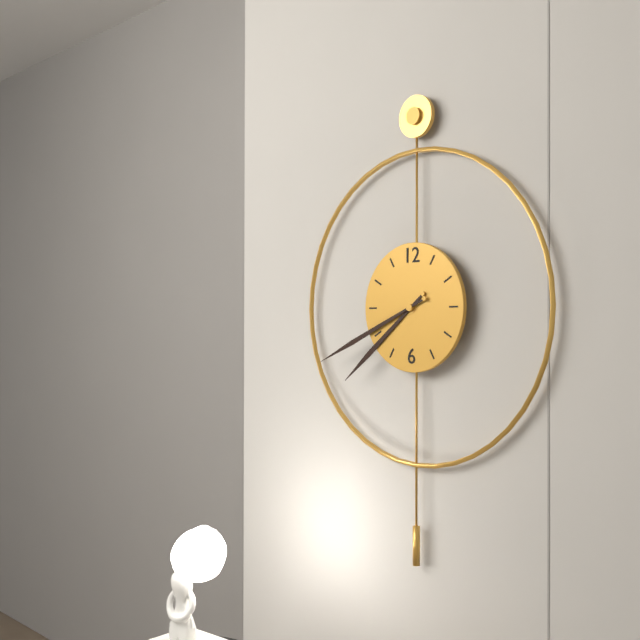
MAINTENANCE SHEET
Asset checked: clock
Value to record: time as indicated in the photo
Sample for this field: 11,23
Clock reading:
7,41
